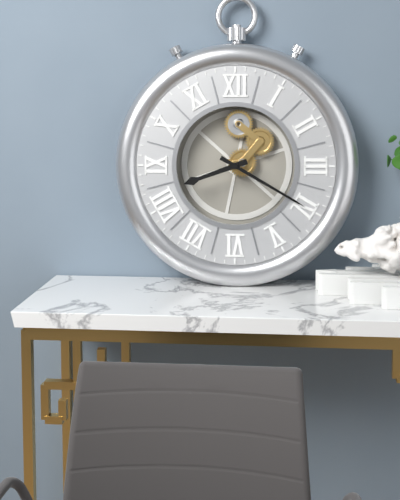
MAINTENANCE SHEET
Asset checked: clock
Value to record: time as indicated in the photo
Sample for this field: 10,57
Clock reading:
8,20
